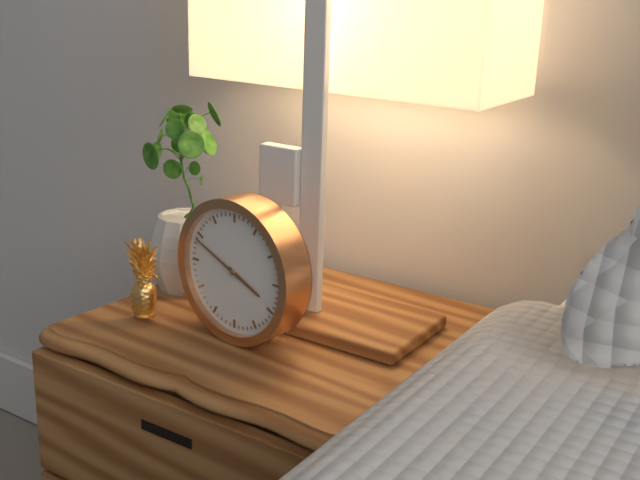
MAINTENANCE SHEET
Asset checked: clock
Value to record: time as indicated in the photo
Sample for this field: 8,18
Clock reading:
3,49
